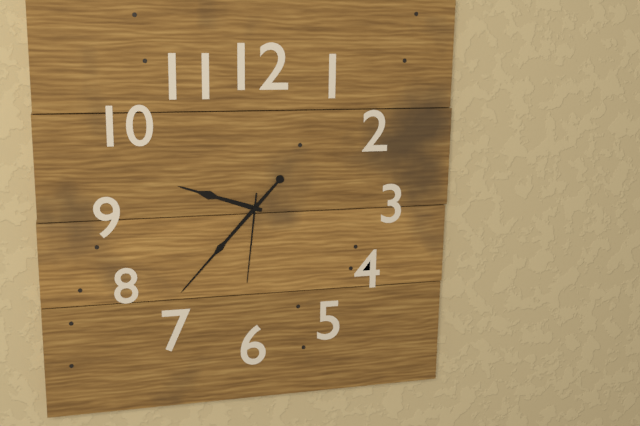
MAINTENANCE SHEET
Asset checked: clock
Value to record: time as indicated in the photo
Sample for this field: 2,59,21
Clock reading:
9,37,31
